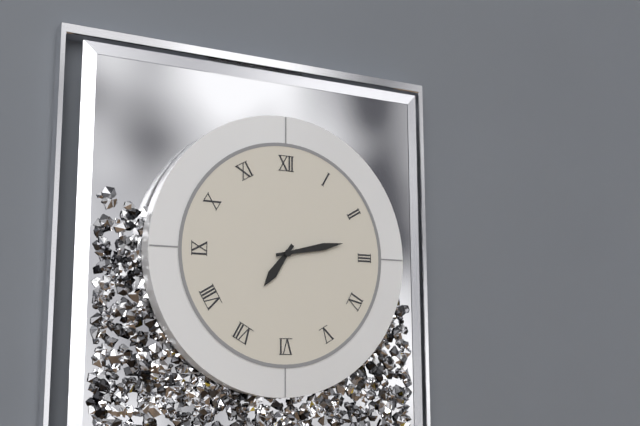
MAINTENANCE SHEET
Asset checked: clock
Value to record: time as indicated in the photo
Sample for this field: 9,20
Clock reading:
7,13
